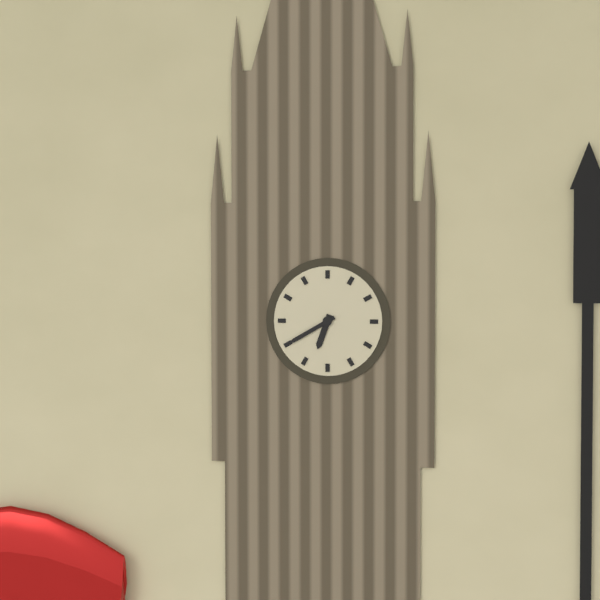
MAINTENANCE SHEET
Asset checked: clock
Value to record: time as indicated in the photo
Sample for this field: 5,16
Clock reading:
6,40
